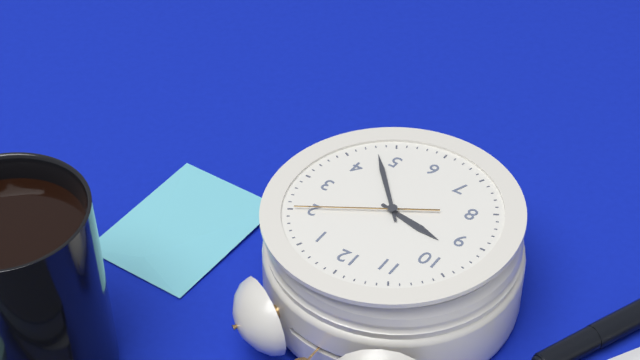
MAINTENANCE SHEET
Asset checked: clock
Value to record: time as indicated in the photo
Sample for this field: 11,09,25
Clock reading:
9,23,10
